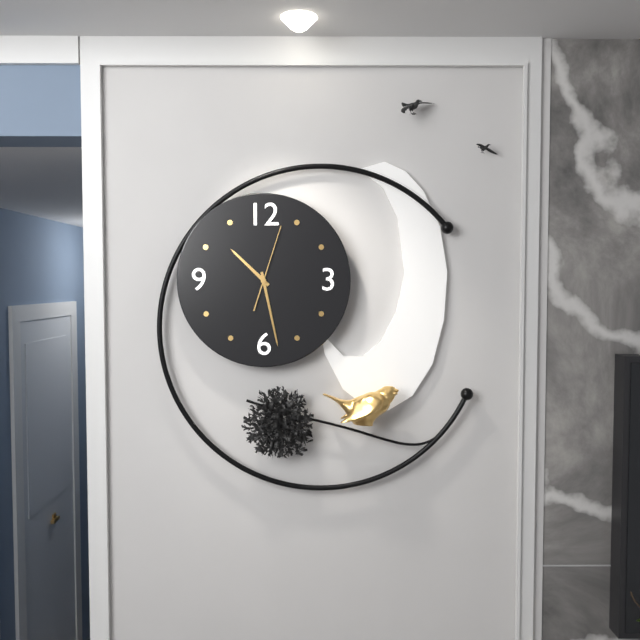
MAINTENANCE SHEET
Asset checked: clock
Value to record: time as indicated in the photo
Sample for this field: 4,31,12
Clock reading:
10,28,03
